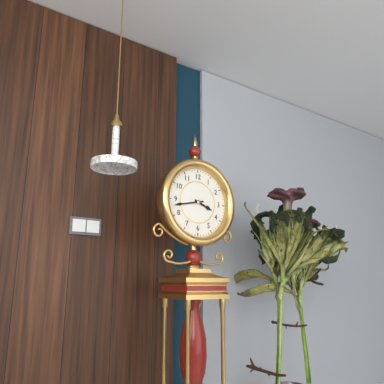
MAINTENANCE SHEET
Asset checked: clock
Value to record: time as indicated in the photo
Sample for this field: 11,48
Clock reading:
3,43
